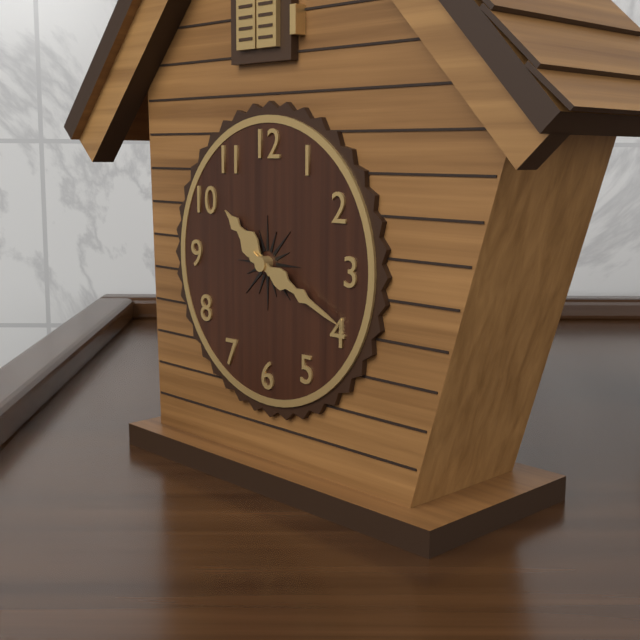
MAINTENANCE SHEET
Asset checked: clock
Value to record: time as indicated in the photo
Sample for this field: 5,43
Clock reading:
10,19
